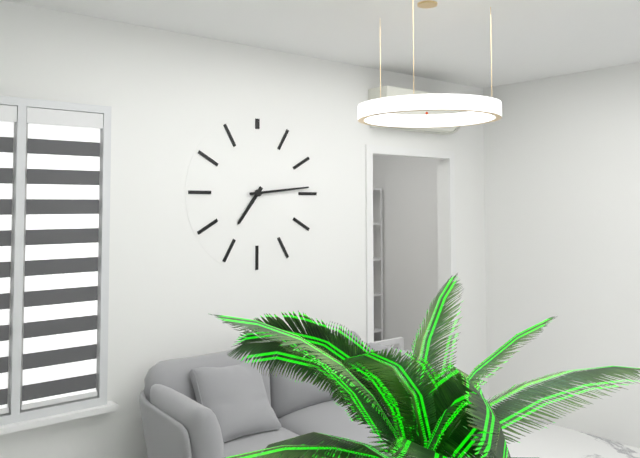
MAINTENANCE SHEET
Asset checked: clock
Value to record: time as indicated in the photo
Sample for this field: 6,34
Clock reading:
7,14
